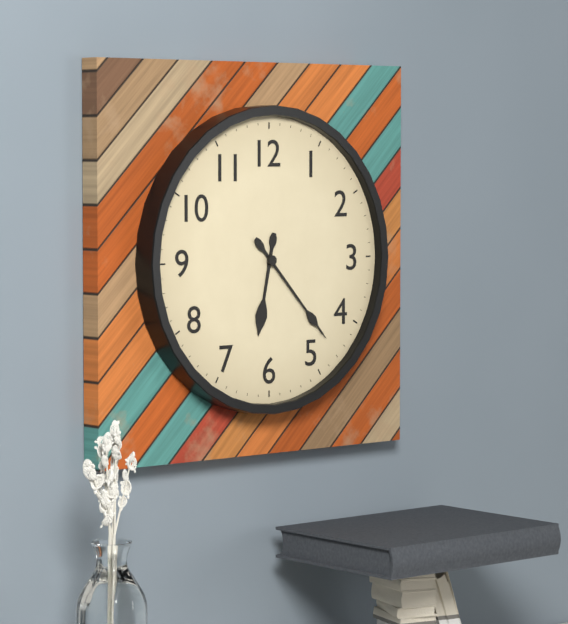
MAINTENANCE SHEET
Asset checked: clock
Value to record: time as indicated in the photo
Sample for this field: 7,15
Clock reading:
6,23
